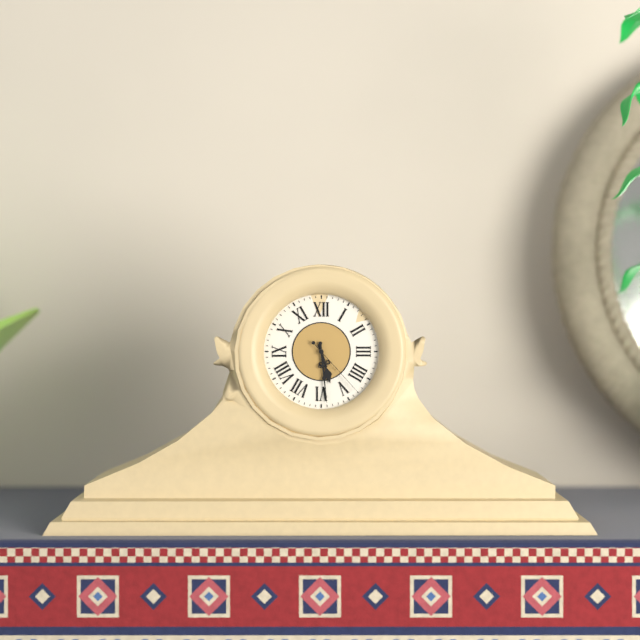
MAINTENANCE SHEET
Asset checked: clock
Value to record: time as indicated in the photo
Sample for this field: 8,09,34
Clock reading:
5,29,23
